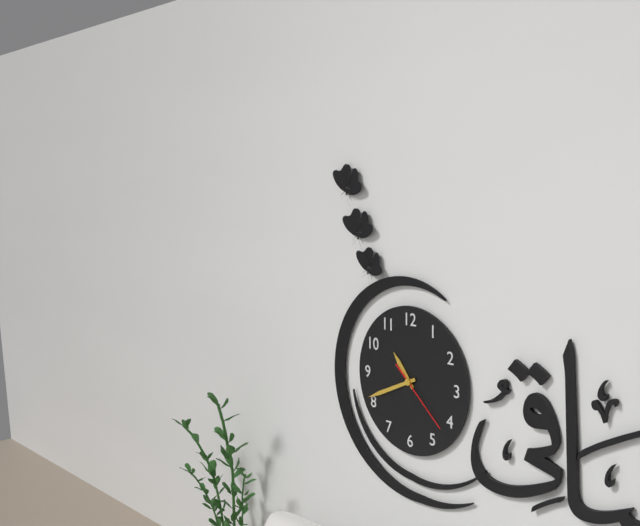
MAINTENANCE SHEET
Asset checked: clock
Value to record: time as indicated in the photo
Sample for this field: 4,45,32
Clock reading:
10,41,22
